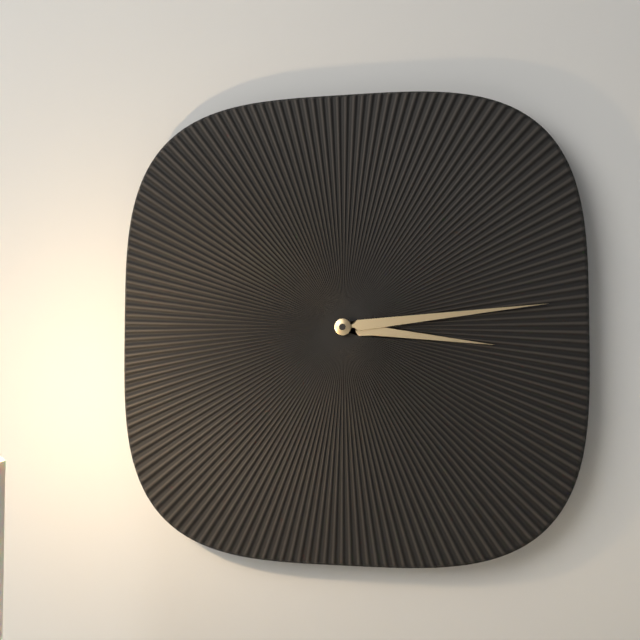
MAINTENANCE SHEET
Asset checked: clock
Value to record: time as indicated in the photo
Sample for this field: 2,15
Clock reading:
3,14
